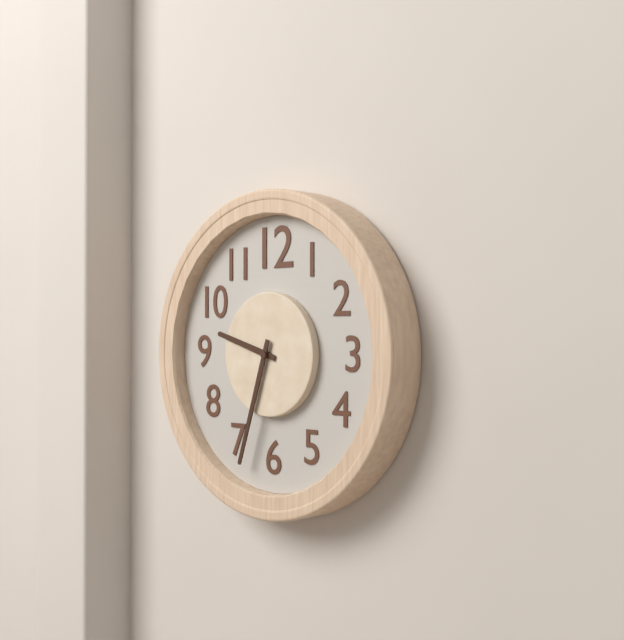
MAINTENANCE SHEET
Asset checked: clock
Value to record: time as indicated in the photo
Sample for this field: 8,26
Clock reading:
9,33
